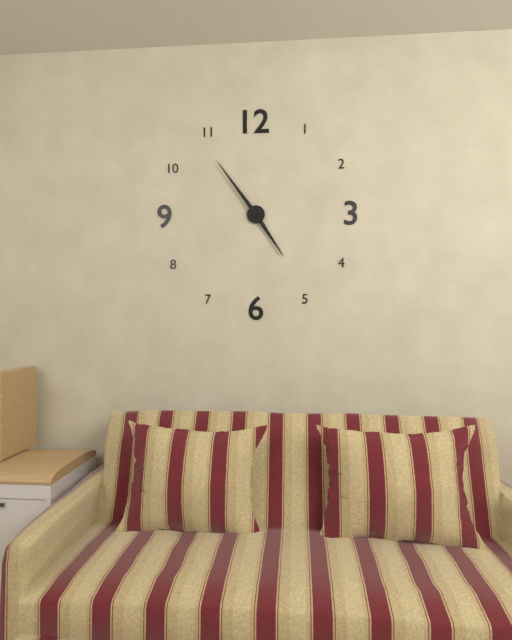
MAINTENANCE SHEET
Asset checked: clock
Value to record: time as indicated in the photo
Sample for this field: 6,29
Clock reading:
4,54
